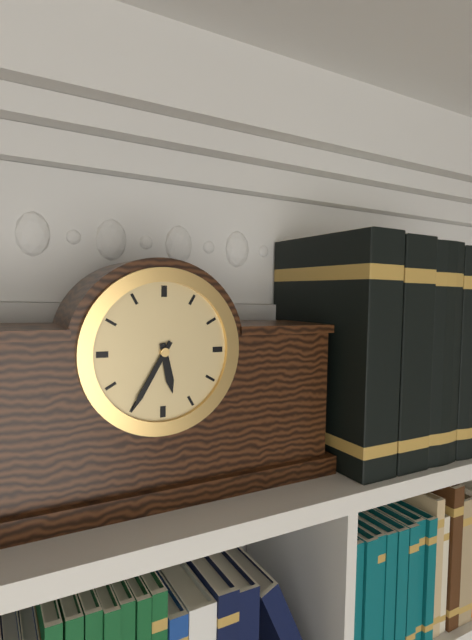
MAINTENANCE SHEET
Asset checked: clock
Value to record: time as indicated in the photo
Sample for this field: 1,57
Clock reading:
5,35
